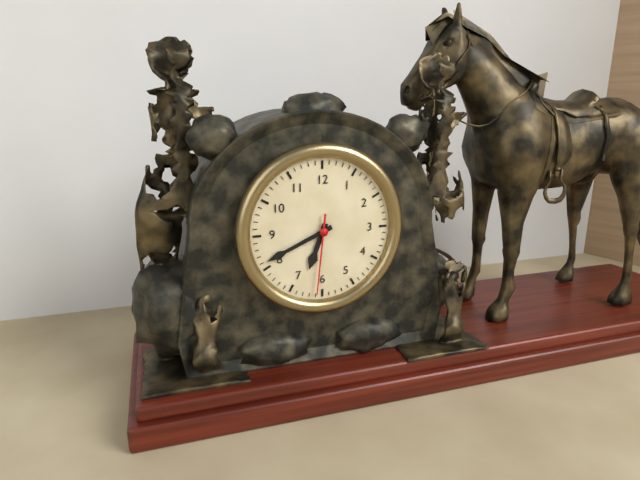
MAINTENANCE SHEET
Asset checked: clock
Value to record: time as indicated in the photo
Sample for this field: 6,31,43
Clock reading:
6,41,31
